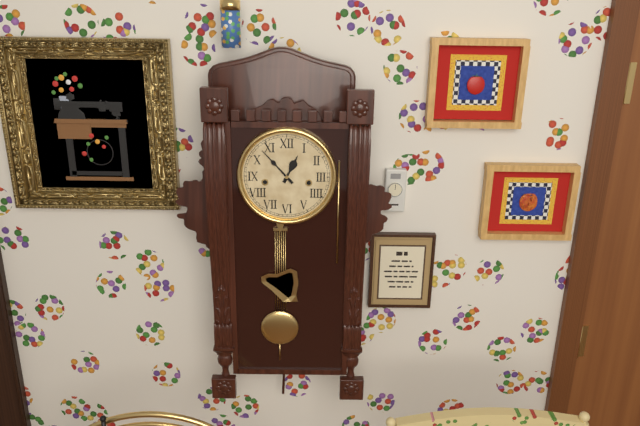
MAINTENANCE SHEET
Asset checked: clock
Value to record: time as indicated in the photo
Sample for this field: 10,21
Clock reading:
12,53
